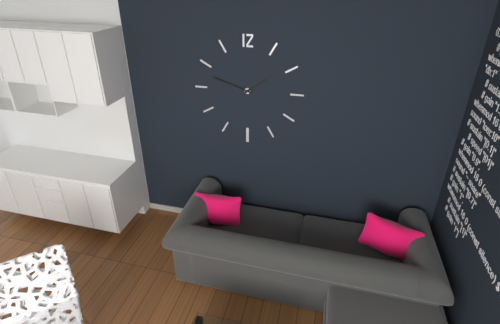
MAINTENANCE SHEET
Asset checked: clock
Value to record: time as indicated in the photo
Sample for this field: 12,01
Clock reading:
1,48
